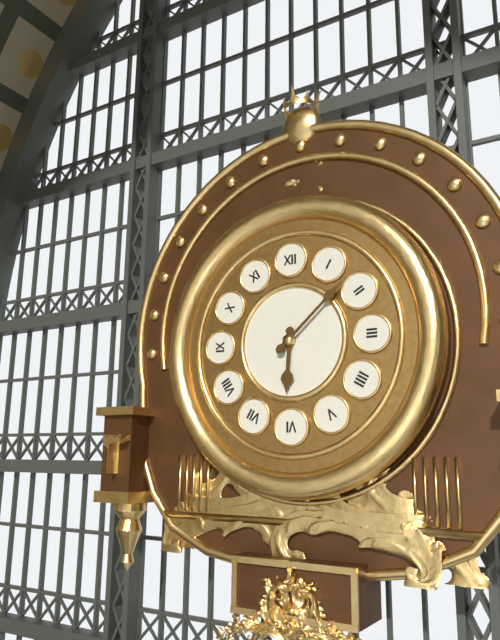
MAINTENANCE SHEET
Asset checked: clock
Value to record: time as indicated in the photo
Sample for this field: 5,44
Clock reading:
6,08
